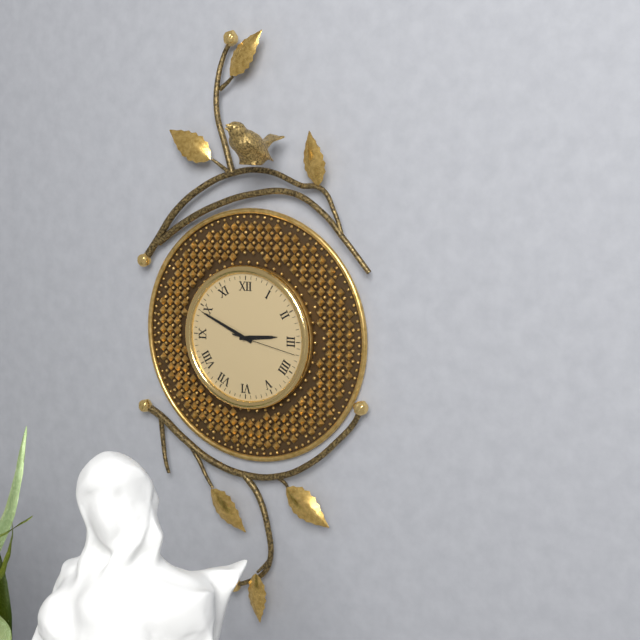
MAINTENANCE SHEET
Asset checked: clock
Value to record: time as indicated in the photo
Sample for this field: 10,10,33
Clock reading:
2,49,17
